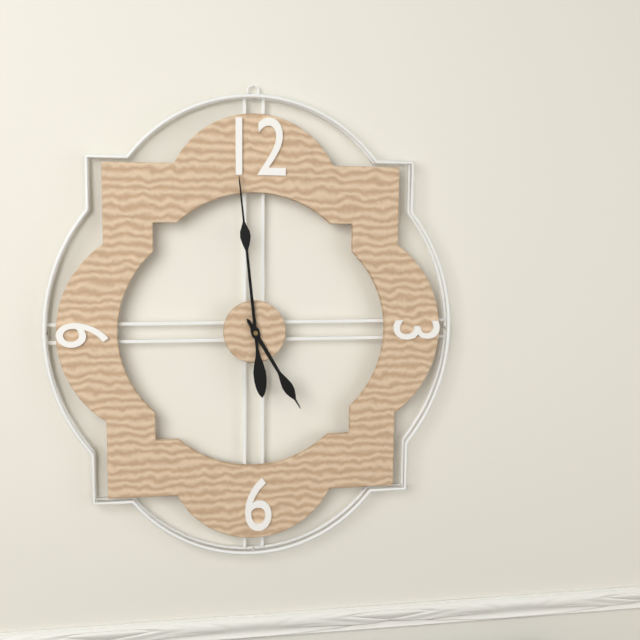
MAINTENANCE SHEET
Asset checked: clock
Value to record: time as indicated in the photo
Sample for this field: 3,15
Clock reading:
4,59
